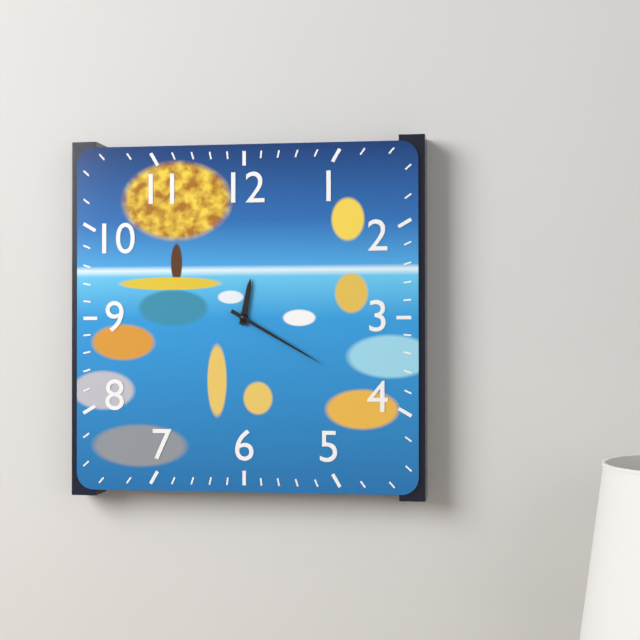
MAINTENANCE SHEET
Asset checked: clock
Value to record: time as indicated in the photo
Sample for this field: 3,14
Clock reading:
12,20
